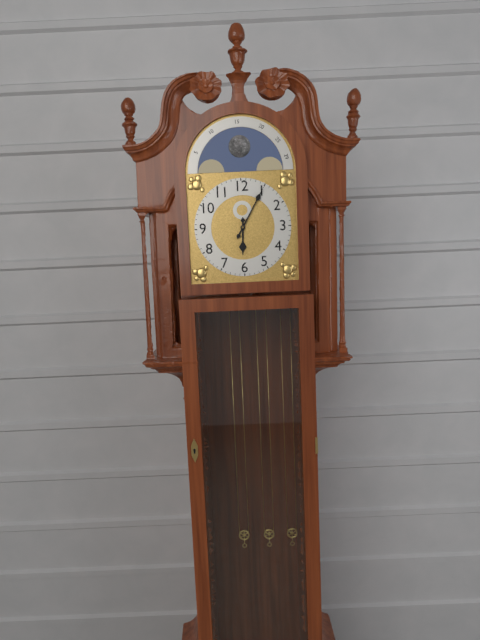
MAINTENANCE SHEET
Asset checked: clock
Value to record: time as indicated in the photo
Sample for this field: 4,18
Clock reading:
6,05
